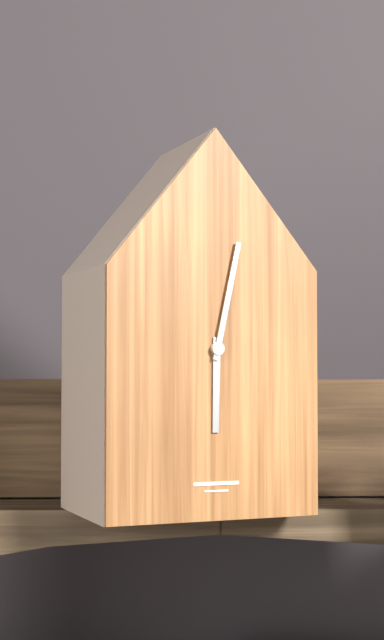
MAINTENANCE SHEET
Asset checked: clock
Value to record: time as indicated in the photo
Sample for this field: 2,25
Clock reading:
6,02
